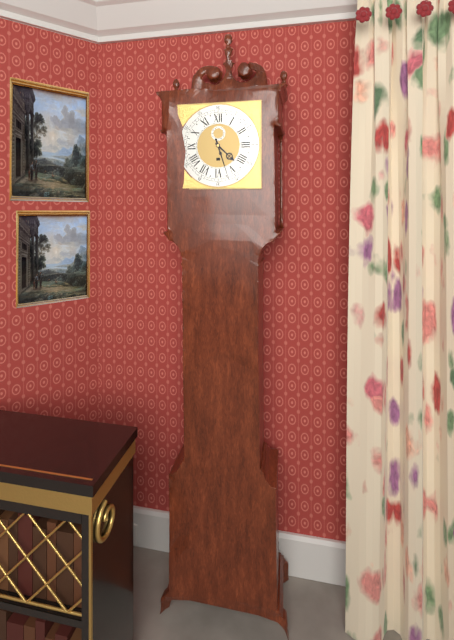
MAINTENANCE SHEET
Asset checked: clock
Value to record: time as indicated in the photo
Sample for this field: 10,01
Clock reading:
4,27
